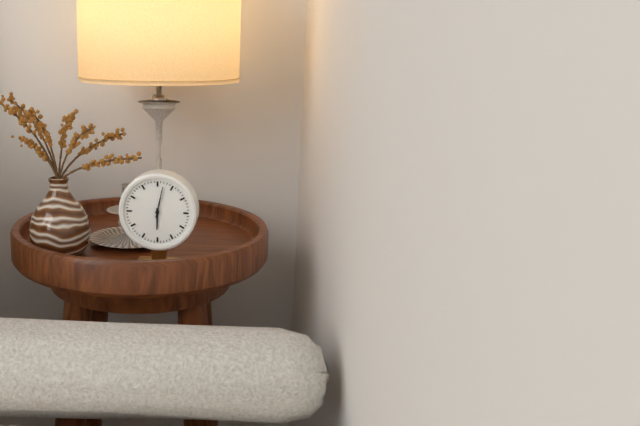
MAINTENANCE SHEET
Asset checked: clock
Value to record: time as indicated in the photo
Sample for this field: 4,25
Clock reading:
6,02
